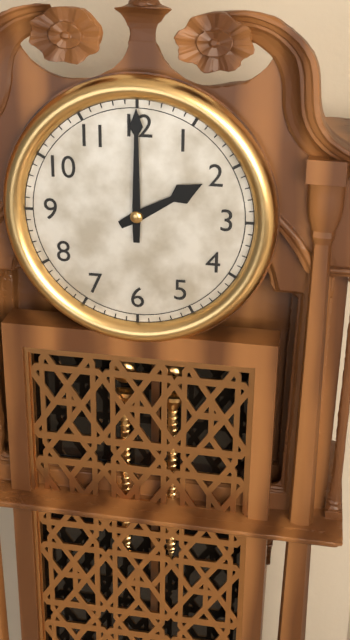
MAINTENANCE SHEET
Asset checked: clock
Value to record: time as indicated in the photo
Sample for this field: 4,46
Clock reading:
2,00
